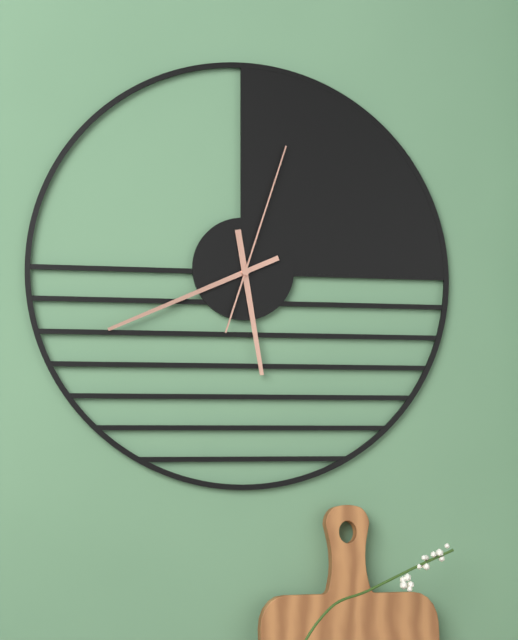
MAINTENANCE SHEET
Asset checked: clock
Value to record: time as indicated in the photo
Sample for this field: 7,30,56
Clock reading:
5,41,03
